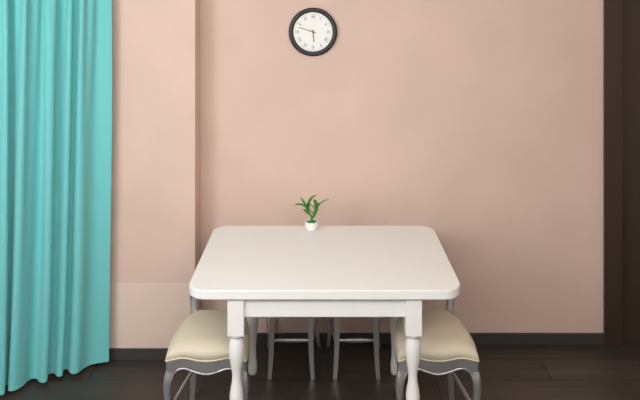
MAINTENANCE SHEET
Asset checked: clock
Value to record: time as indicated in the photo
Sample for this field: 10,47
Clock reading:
5,48
